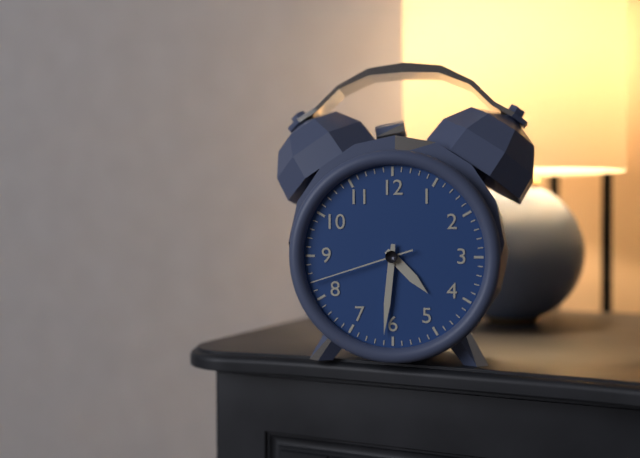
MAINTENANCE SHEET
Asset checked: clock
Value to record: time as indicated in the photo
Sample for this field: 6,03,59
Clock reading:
4,31,42
